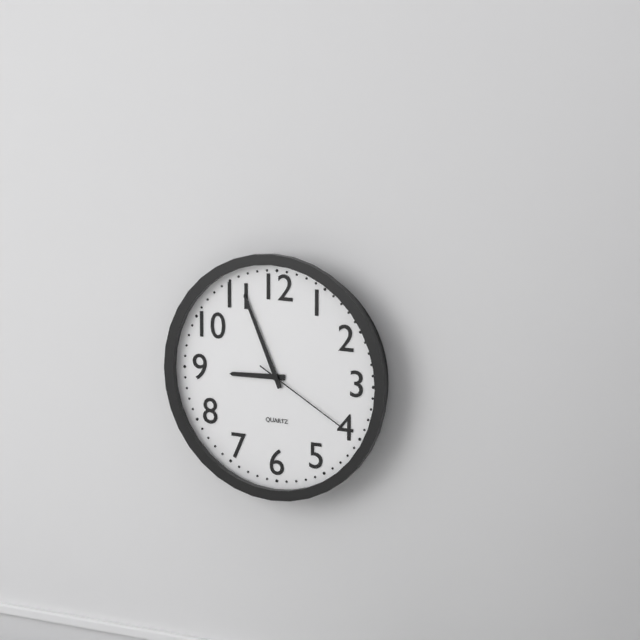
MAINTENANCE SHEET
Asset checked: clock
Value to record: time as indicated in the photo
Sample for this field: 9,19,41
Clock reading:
8,56,20
